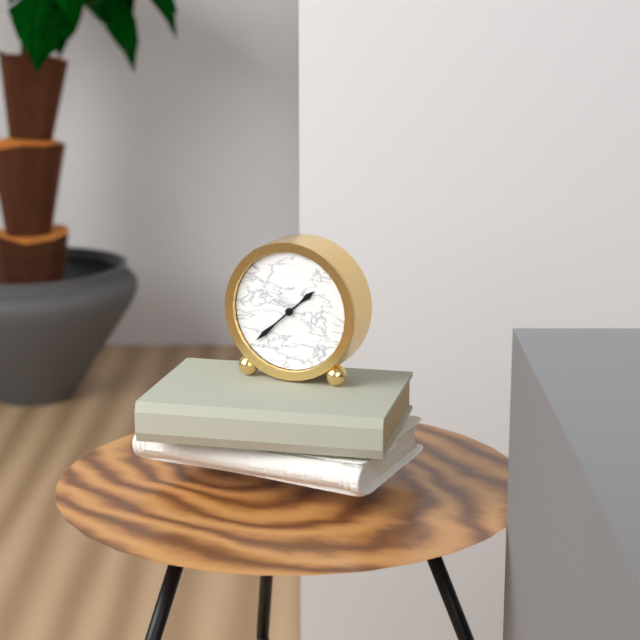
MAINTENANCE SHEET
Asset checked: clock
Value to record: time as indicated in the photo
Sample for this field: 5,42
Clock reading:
1,38
